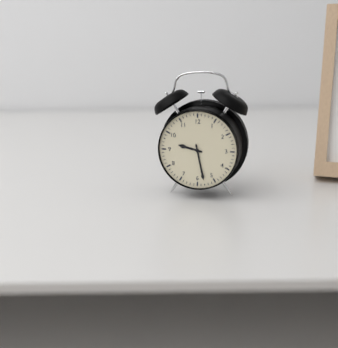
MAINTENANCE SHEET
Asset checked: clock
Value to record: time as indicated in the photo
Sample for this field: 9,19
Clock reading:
9,28
